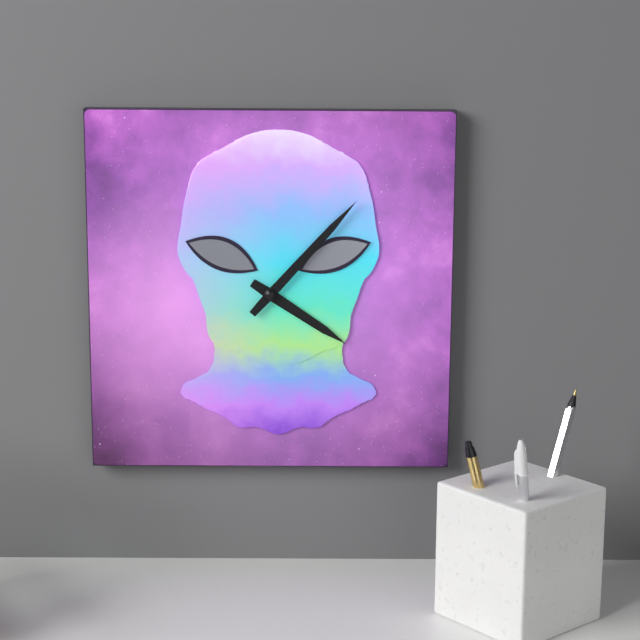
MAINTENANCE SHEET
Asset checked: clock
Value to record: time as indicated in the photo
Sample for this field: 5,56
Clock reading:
4,07
